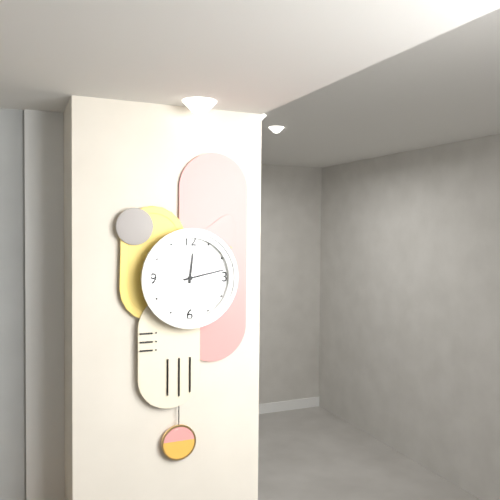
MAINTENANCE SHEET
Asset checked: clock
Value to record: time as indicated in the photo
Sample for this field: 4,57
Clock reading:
12,13
